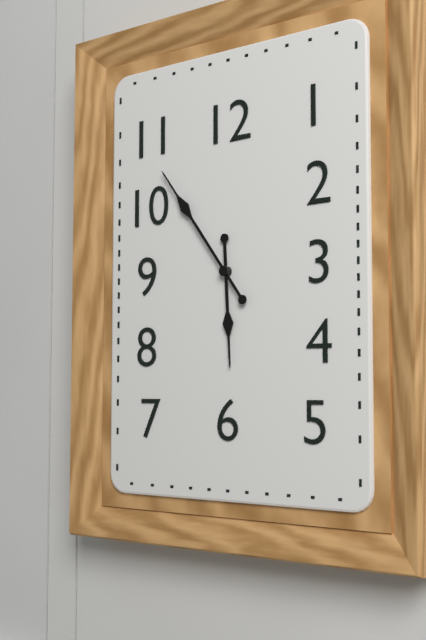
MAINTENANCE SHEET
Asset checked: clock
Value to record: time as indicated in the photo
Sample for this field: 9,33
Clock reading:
5,54
